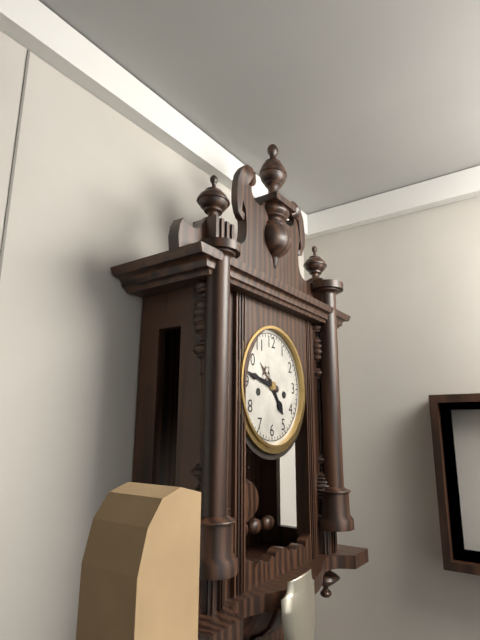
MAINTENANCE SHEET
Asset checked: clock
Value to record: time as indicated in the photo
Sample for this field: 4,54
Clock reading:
4,47
